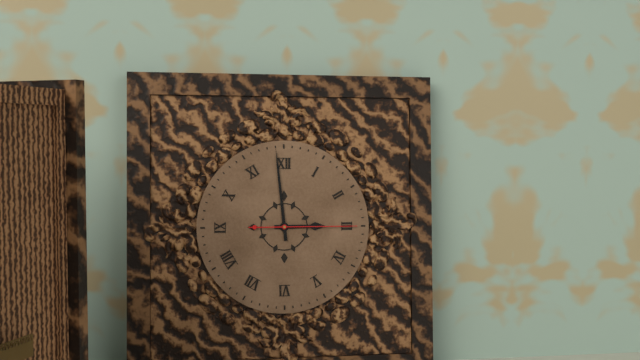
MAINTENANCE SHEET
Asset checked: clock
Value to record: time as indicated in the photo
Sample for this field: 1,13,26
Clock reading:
2,59,15
